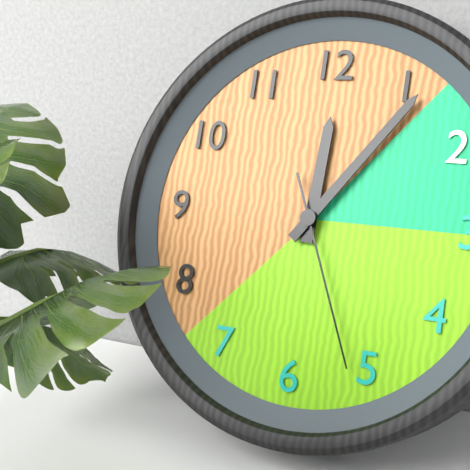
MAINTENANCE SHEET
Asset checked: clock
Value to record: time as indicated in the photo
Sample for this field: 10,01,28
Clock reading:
12,06,26
